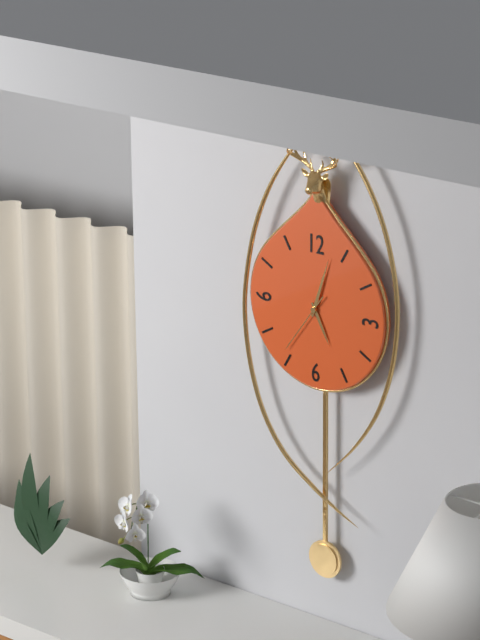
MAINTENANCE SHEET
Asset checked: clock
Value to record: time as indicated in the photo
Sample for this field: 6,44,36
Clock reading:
5,03,36
